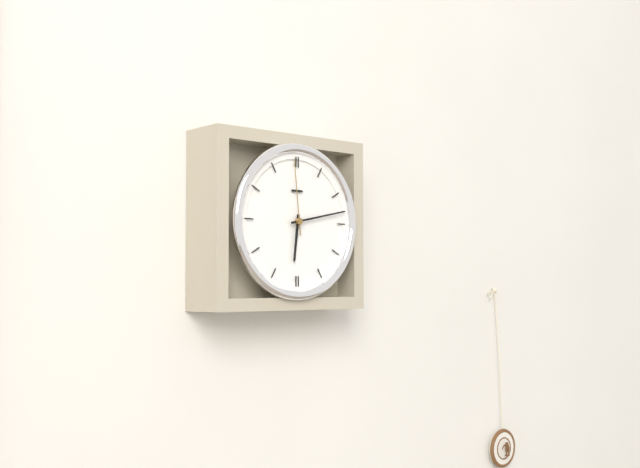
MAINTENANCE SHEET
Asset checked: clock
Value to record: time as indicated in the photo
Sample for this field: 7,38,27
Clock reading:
6,13,59
